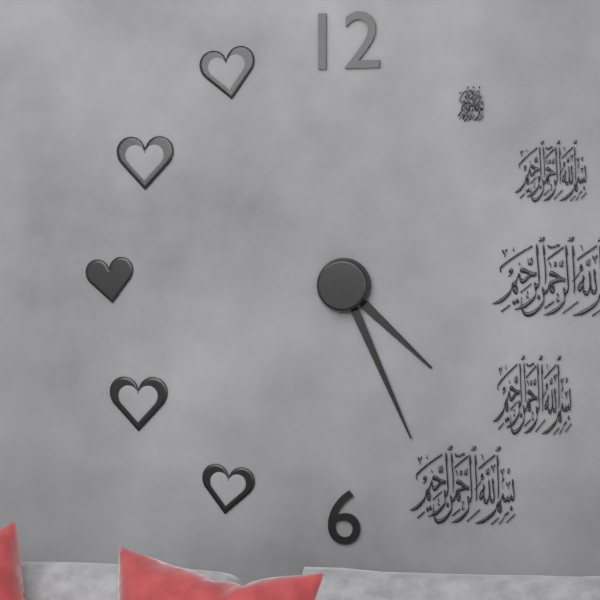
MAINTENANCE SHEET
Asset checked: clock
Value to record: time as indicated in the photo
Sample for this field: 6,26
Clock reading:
4,26
